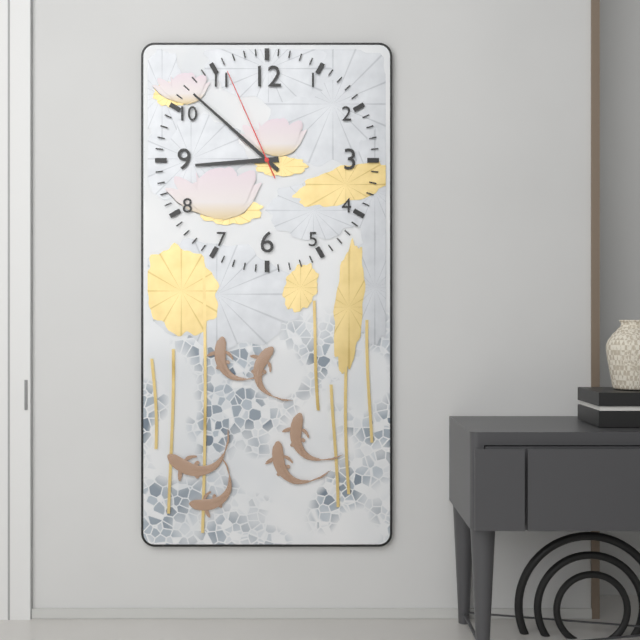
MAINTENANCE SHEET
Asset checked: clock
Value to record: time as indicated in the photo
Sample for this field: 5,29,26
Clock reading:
8,52,56
